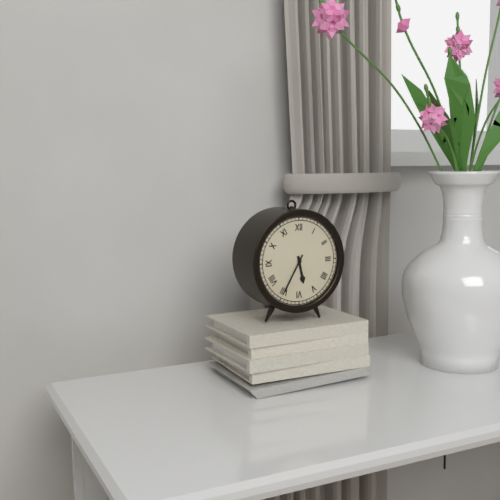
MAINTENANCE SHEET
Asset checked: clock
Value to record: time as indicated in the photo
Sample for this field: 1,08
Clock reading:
5,35
